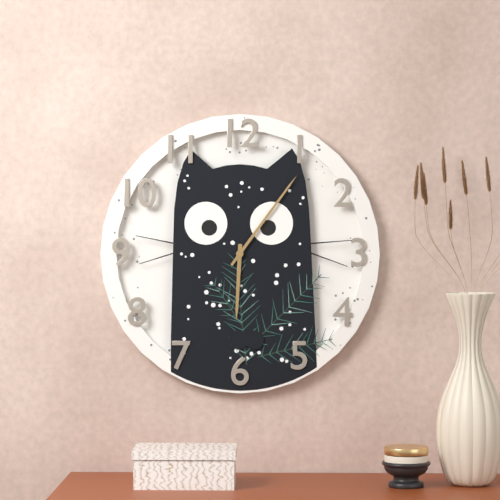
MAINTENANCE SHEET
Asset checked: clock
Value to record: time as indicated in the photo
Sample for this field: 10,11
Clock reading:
6,06
